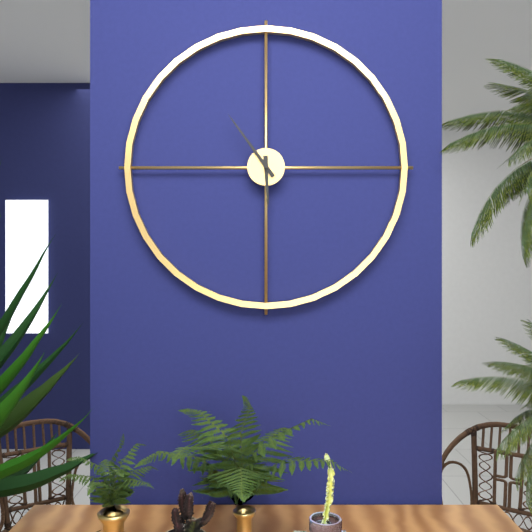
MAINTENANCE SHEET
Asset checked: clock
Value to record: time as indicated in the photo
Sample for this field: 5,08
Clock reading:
5,54
